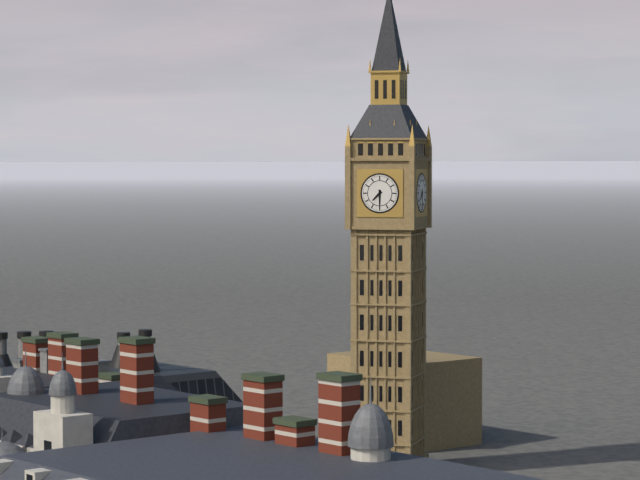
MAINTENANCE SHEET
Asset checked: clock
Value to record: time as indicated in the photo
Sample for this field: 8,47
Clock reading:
7,30
